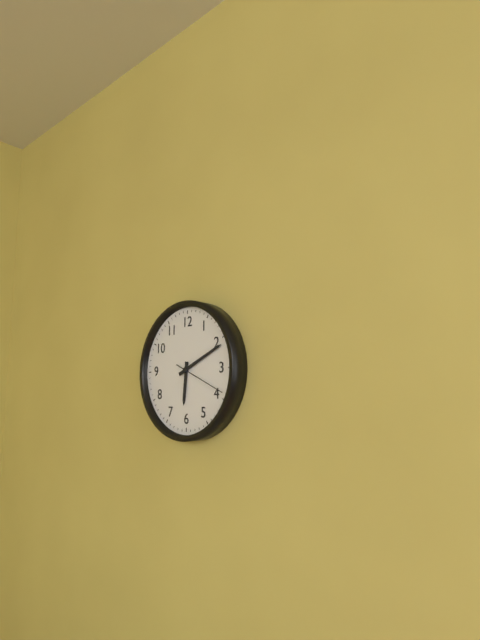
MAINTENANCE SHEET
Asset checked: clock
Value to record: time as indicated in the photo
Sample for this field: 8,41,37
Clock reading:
6,11,19
